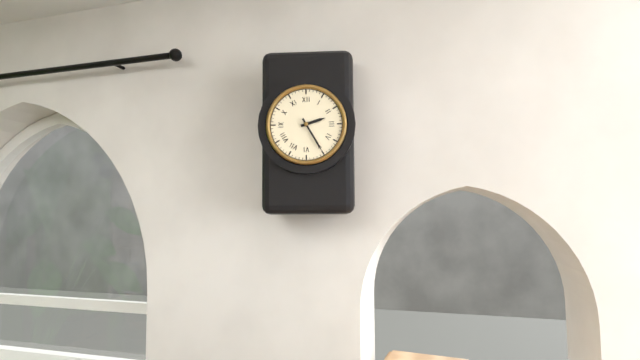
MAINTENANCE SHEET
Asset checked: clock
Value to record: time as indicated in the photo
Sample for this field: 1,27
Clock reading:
2,25
